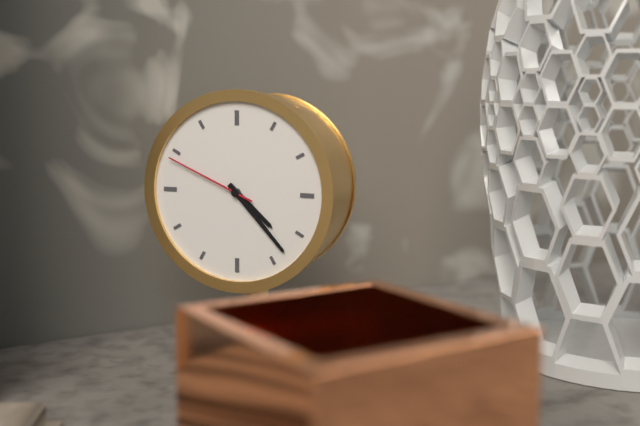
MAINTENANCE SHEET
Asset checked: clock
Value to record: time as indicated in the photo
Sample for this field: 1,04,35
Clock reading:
4,23,49
